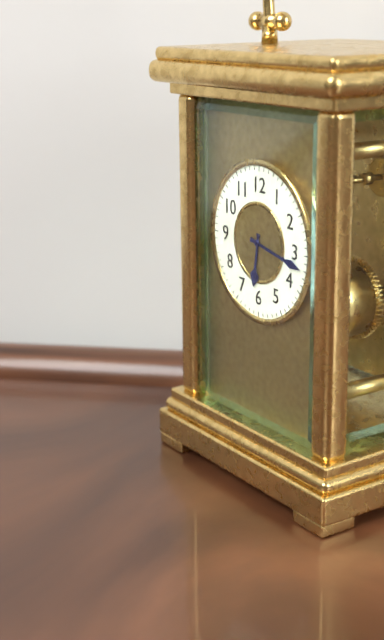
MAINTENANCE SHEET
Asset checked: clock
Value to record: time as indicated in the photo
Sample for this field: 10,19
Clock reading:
6,17
